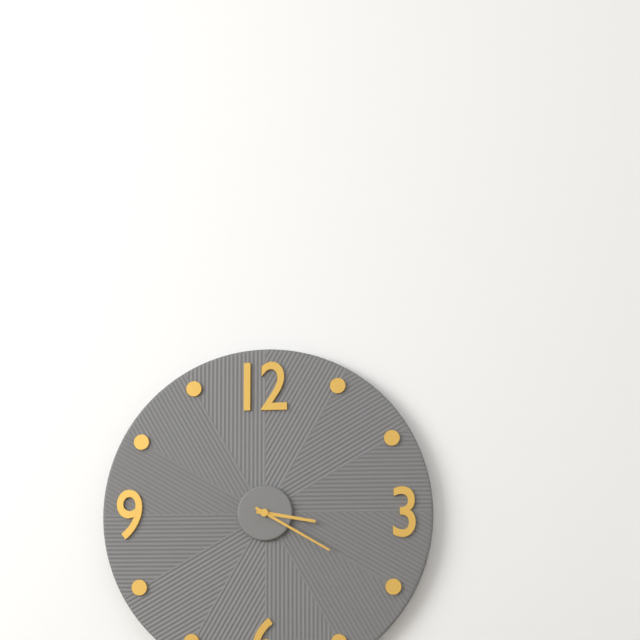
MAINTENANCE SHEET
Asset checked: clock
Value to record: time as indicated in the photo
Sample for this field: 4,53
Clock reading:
3,20
